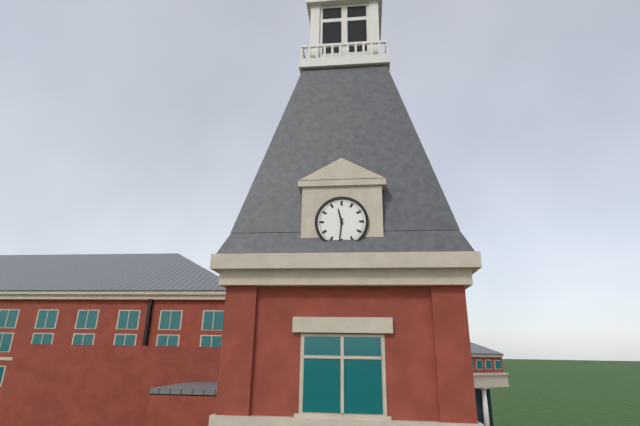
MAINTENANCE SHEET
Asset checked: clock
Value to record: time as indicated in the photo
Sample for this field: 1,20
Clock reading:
11,31
